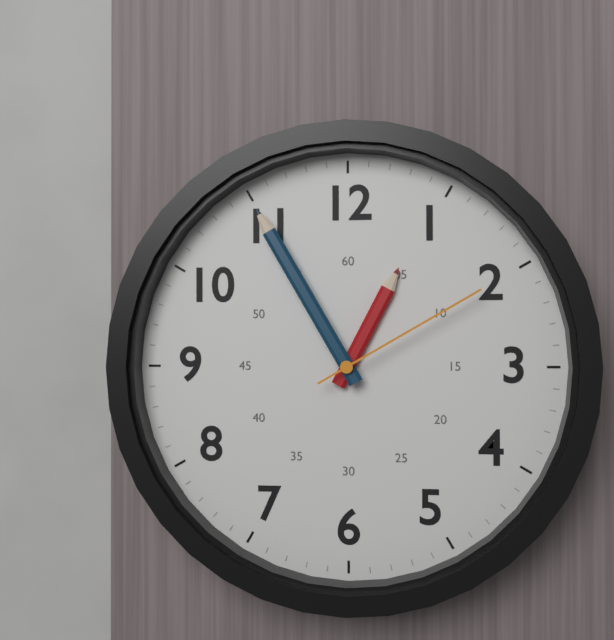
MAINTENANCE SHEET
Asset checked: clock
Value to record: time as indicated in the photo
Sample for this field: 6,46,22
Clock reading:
12,55,10
